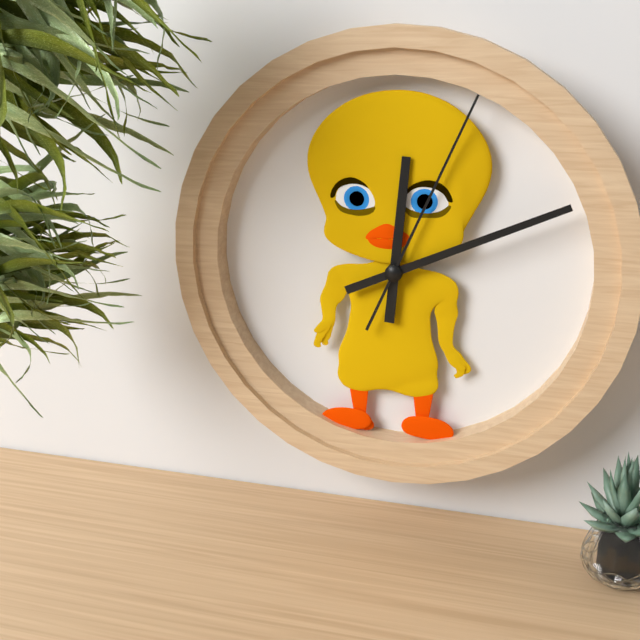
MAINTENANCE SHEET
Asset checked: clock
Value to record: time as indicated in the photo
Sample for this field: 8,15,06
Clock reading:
12,11,04
